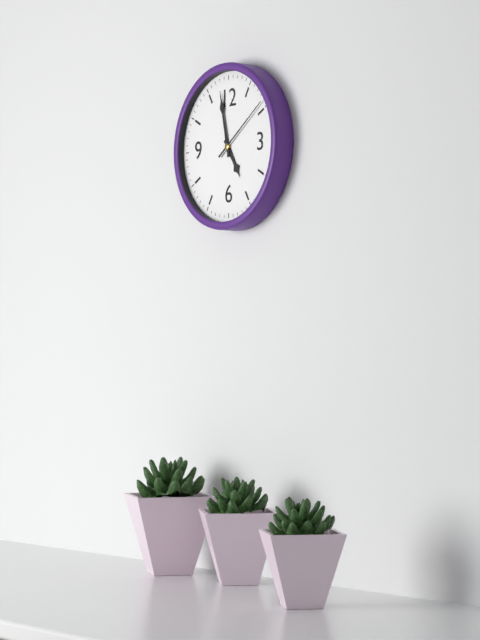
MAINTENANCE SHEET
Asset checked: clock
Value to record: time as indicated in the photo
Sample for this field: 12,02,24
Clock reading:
4,58,09
